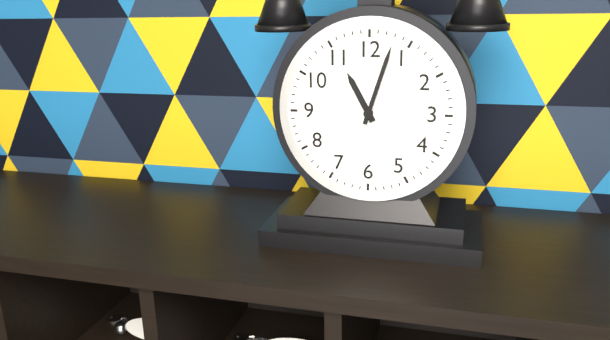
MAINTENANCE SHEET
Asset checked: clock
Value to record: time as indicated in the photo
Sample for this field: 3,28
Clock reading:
11,03
